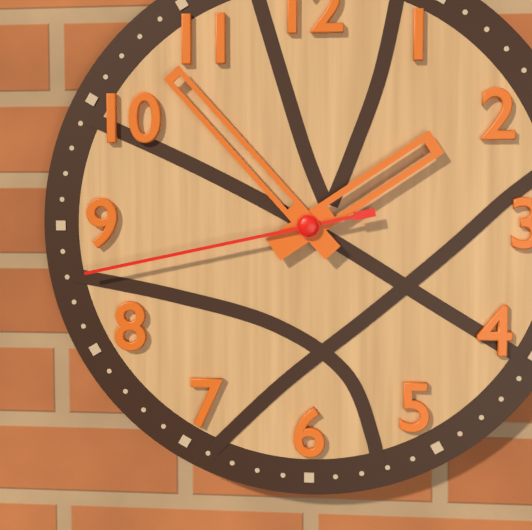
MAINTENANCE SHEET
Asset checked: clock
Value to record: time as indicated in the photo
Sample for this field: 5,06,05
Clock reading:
1,53,43
